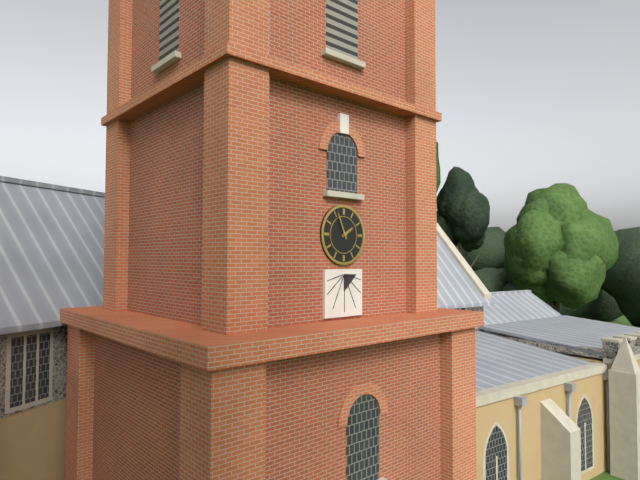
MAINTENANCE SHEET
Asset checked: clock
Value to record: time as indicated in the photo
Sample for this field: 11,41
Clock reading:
1,56
